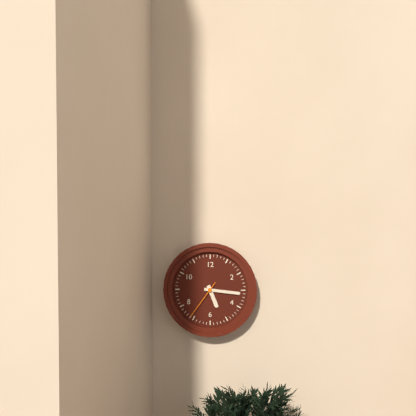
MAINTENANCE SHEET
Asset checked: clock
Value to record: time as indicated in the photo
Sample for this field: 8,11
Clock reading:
5,16
